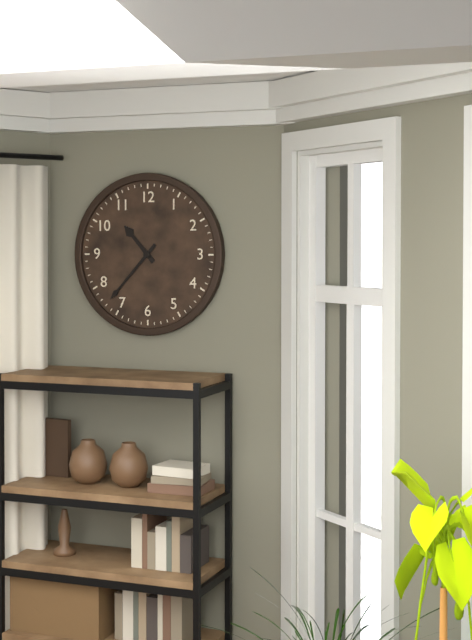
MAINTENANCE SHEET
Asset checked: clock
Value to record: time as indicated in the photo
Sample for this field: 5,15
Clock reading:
10,37
